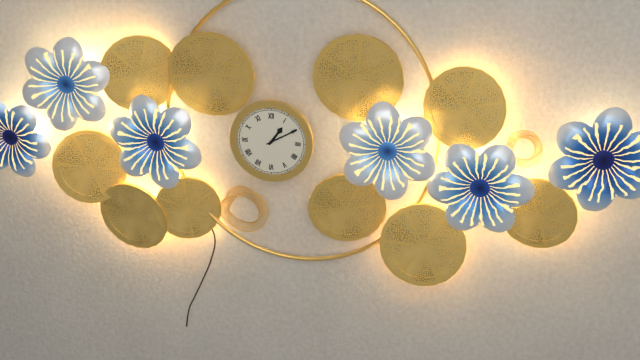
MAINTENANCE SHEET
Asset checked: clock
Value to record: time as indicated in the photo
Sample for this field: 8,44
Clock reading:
1,10
